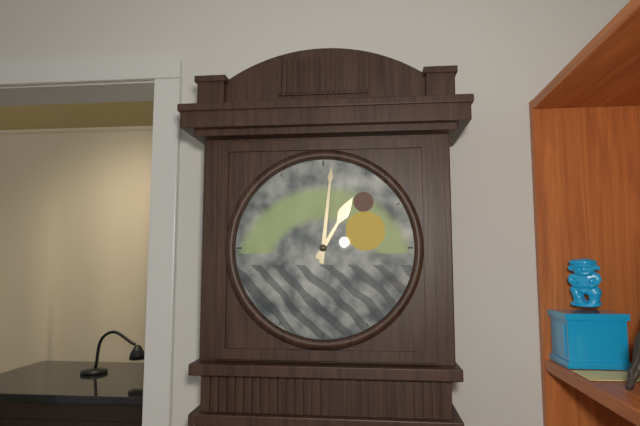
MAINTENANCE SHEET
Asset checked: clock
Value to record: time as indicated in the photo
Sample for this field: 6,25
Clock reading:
1,01
